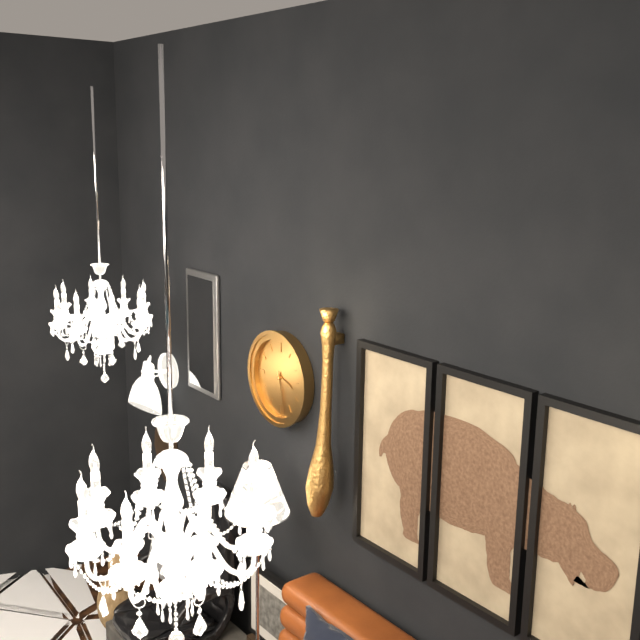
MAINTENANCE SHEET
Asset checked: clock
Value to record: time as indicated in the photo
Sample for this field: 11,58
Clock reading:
3,28
